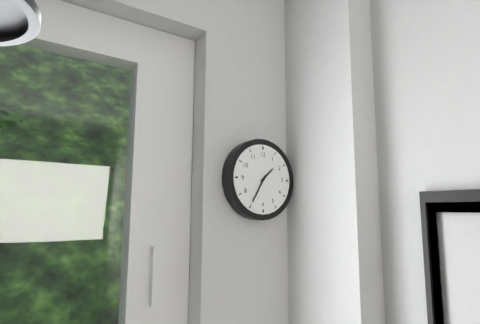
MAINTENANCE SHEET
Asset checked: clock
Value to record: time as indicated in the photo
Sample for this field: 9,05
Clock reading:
1,35
